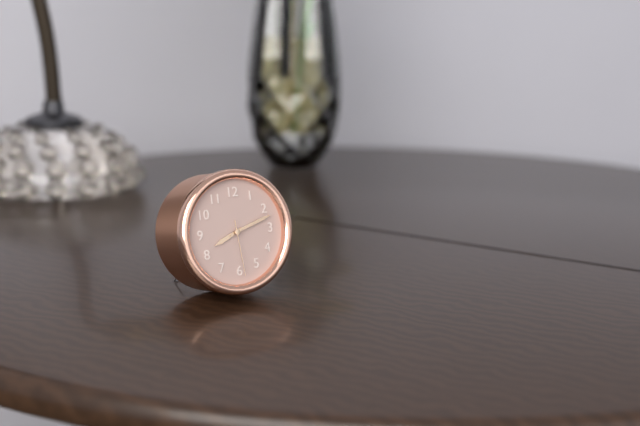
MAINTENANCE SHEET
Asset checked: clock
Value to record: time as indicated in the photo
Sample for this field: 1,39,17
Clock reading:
8,12,29
